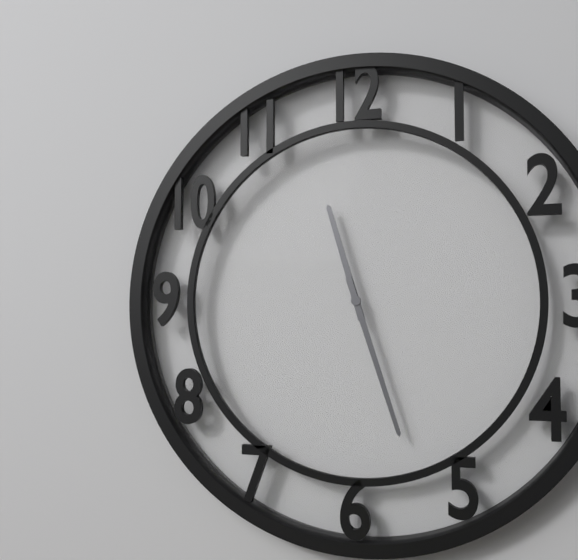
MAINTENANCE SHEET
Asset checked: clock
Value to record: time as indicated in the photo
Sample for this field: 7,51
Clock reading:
11,27
